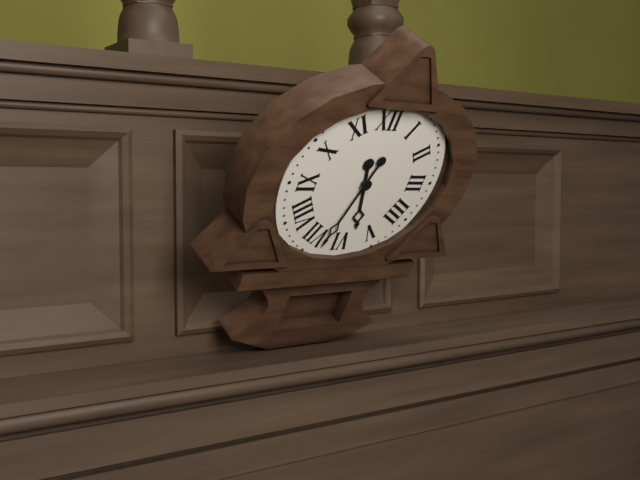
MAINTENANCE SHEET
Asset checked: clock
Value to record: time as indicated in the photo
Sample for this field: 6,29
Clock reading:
5,33
